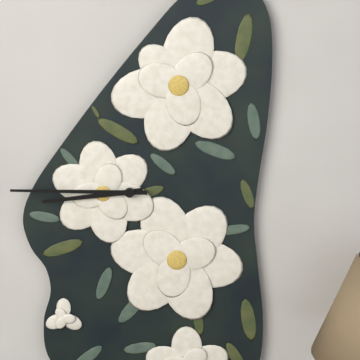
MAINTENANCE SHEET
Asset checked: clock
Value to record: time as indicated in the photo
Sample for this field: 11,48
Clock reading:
8,45
